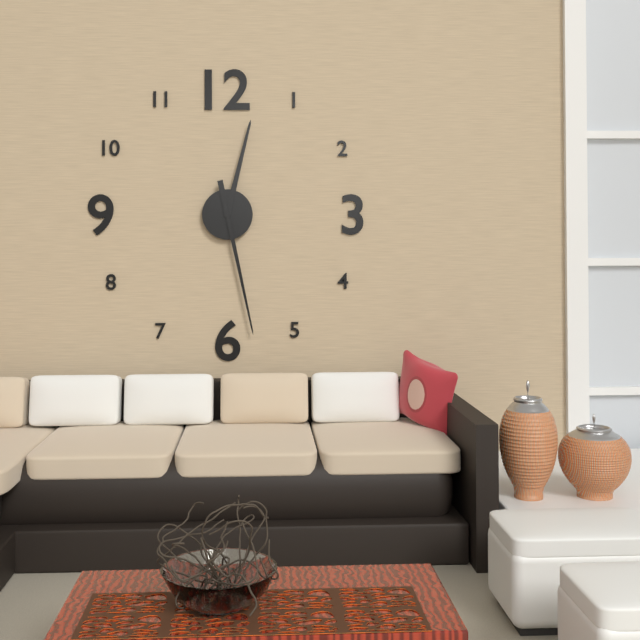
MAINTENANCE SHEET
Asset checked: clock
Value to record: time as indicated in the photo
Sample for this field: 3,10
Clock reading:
12,28
